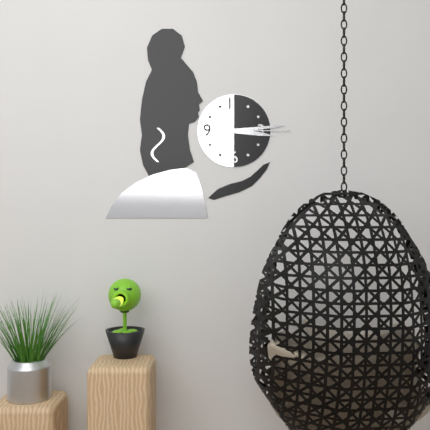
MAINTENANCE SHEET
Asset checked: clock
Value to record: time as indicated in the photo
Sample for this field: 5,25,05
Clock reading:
3,14,15
